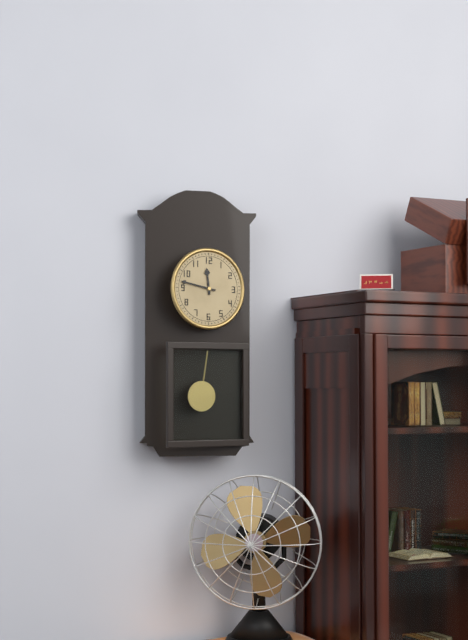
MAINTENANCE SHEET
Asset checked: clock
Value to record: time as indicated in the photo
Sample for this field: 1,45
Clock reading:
11,47
